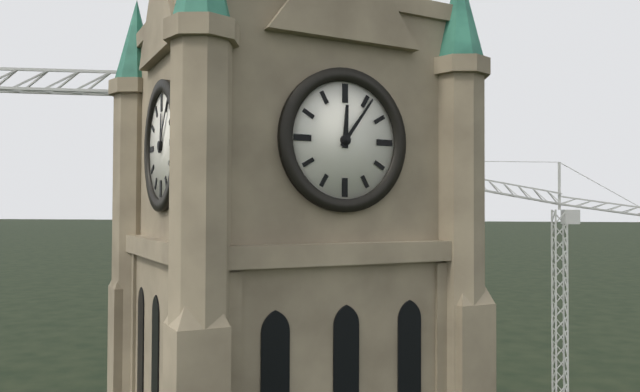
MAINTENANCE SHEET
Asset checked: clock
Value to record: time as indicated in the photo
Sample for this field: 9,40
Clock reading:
12,06
